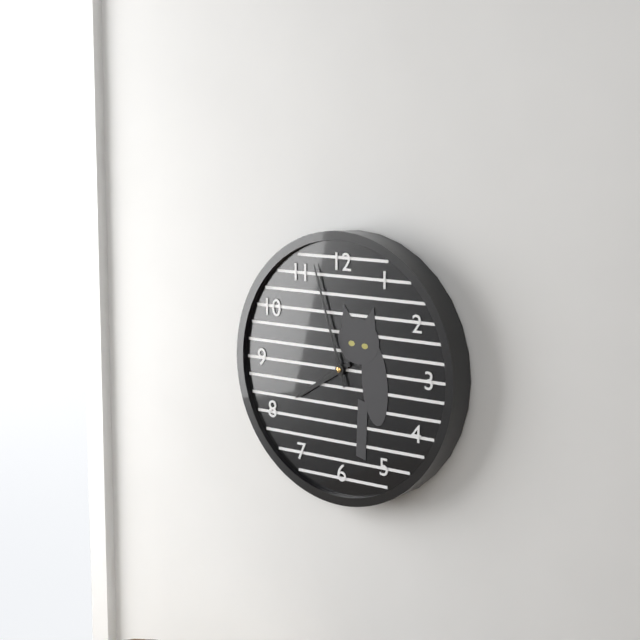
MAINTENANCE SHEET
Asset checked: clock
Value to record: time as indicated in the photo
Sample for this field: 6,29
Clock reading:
7,57
